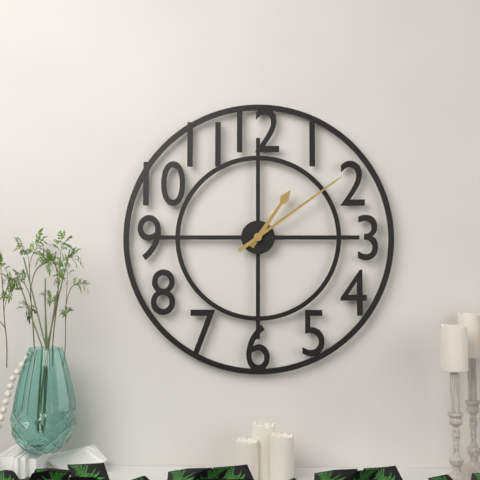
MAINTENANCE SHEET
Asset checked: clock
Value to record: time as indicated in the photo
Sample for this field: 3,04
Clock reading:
1,09
